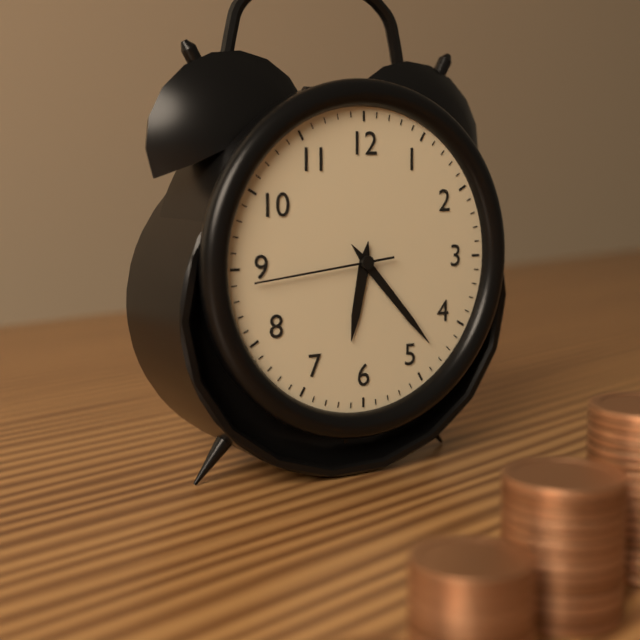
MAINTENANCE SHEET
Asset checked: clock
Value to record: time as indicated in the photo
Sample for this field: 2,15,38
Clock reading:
6,23,44
